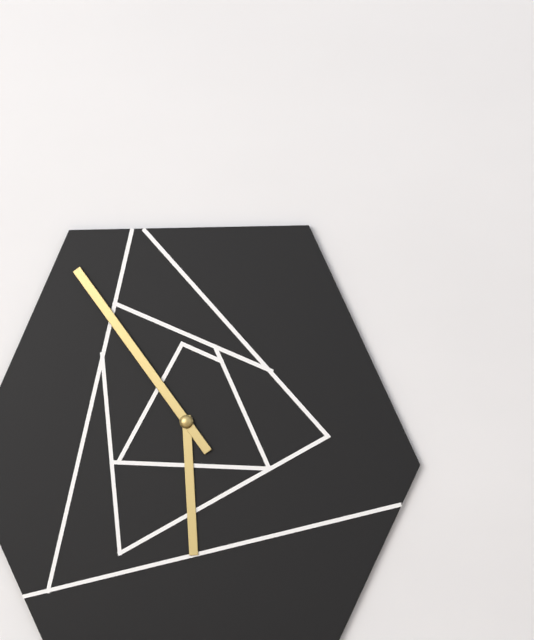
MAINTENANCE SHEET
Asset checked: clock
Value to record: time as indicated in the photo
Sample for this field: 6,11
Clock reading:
5,54
